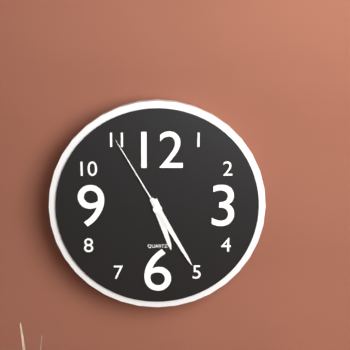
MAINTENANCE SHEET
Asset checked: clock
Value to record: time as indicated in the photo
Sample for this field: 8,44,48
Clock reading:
5,25,55
